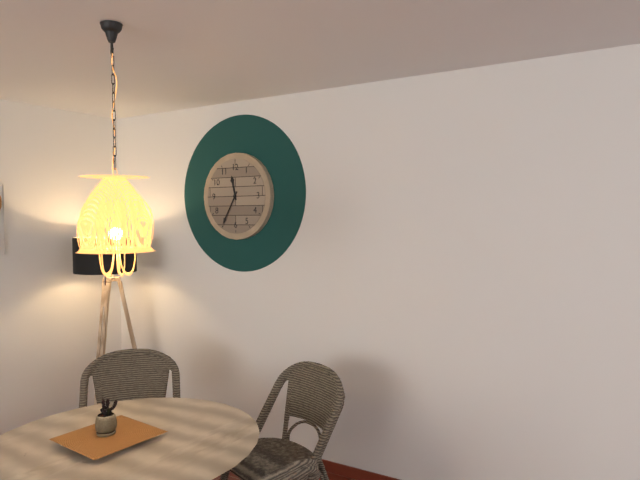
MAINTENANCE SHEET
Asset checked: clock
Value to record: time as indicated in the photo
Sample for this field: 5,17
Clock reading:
11,35
